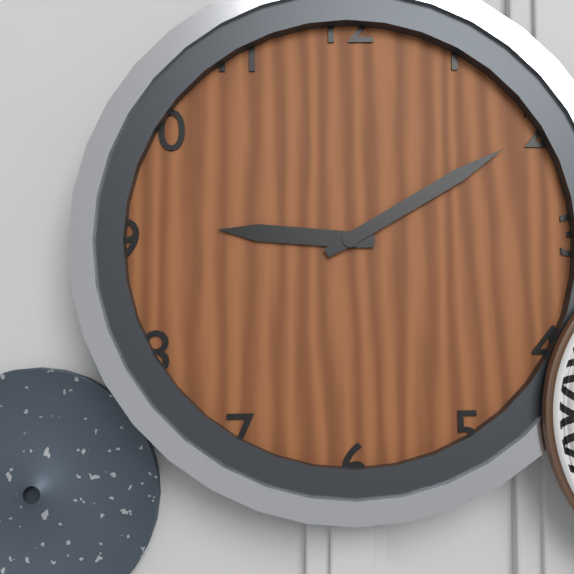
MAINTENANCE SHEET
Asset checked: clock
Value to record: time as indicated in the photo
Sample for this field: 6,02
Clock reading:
9,10
